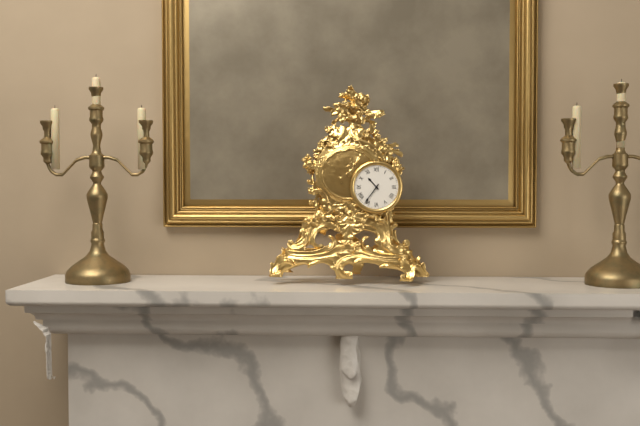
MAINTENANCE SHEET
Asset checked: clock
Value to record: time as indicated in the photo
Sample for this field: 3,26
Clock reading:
10,36
